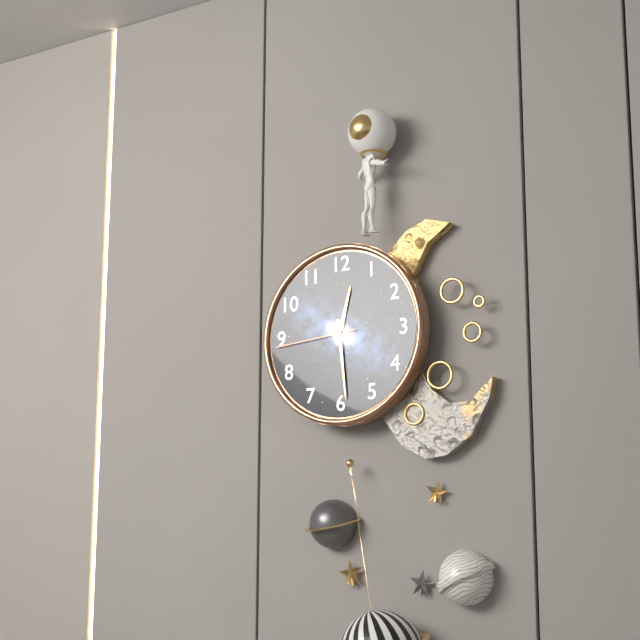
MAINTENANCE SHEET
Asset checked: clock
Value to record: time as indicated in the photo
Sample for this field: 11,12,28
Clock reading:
12,29,44
